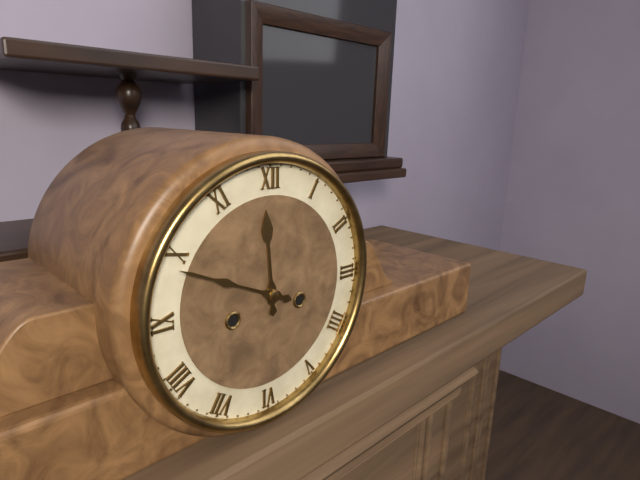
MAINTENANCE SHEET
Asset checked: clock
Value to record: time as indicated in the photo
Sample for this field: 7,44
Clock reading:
11,49
